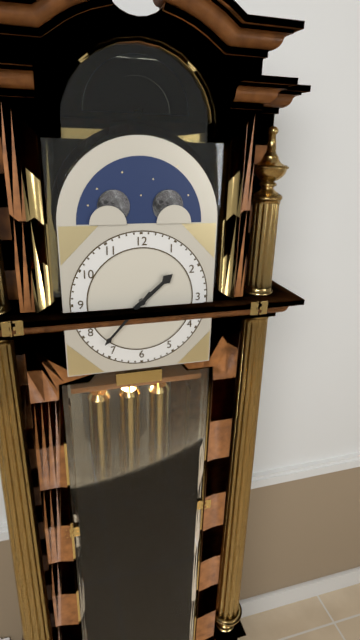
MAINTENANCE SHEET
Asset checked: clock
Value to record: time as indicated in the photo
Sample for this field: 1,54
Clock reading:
1,37
